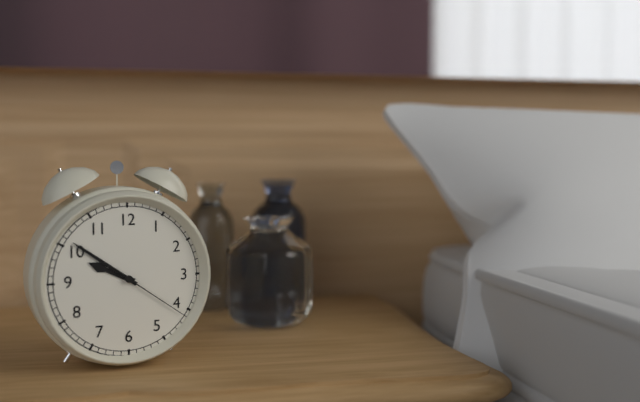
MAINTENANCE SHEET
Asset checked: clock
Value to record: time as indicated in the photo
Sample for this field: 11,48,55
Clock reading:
9,51,21
